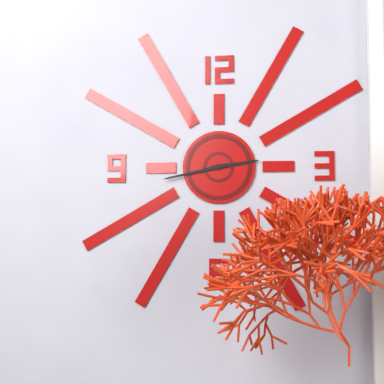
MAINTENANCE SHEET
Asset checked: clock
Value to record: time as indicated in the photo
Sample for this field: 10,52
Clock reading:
2,43
